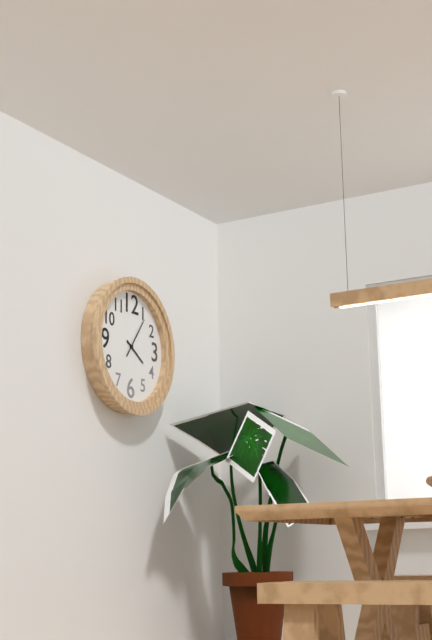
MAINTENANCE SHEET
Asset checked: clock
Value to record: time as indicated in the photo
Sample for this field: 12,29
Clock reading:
4,06
